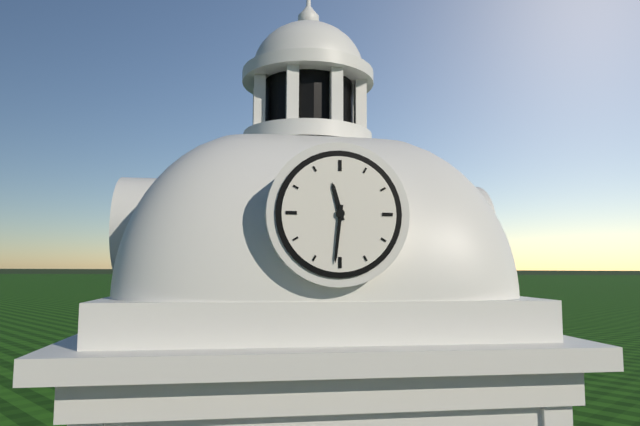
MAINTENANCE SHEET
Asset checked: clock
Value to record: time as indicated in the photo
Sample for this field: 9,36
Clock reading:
11,31
